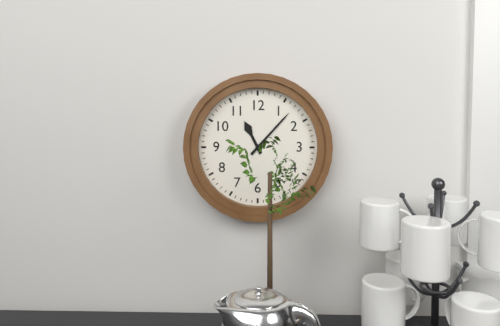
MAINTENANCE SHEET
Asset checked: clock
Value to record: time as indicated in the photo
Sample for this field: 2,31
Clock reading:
11,07
